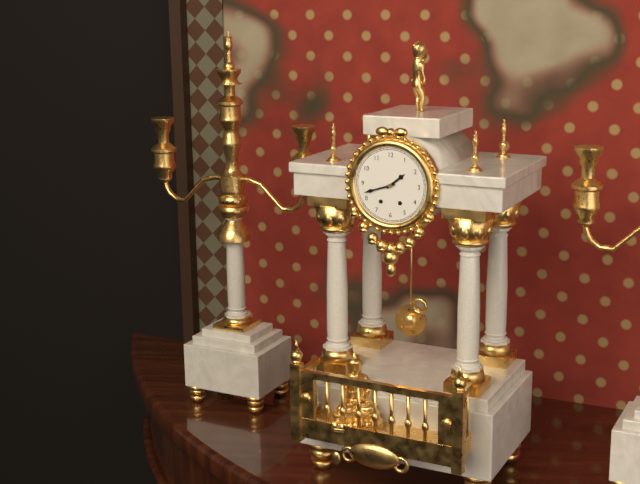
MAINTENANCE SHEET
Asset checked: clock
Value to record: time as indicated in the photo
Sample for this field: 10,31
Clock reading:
1,42
